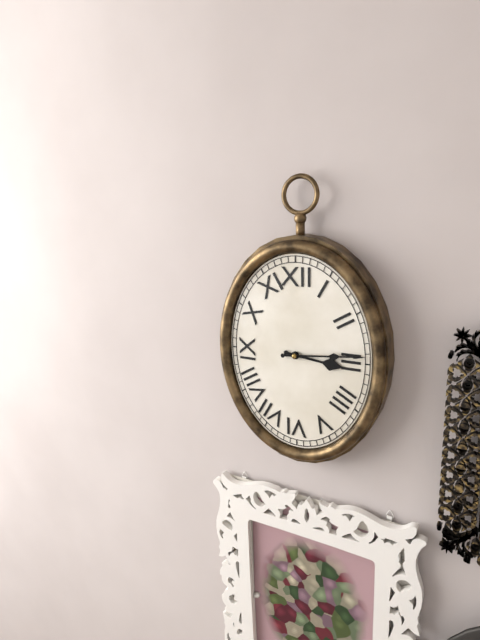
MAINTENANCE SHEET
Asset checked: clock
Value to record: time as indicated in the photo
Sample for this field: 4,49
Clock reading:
3,14
